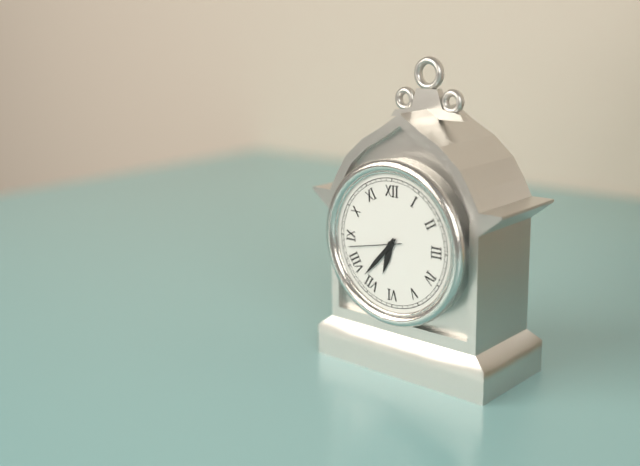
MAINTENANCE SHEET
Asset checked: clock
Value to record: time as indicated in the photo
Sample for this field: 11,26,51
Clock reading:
6,37,43
